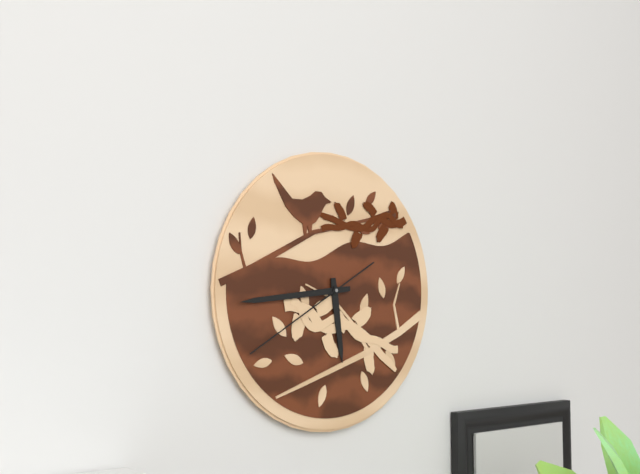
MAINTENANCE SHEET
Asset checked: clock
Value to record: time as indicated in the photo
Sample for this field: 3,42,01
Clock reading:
5,44,40
